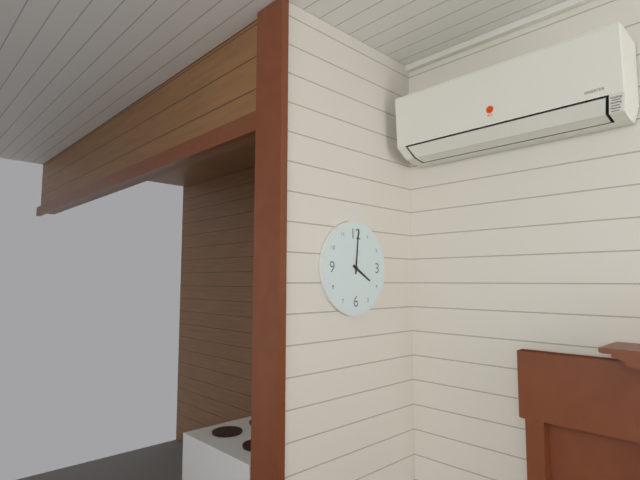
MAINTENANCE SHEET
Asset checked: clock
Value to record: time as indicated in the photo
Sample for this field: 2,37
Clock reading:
4,01
